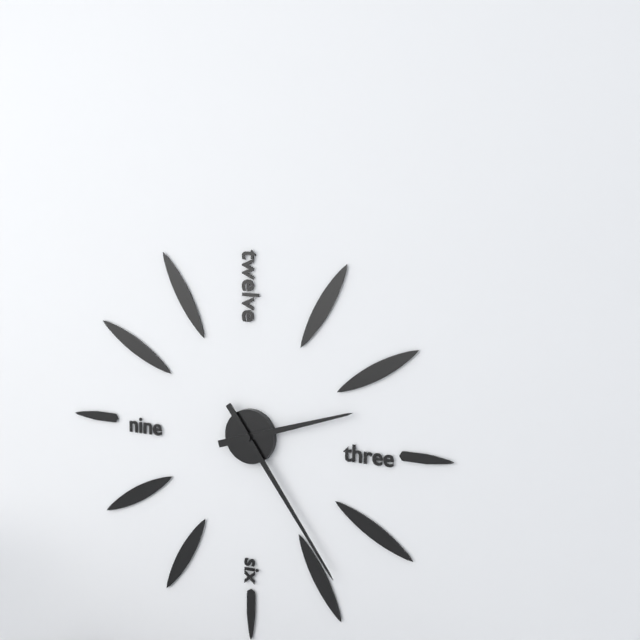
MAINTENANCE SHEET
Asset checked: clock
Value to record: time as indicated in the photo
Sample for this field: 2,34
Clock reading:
2,24
